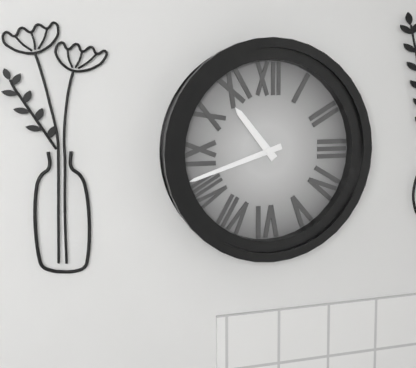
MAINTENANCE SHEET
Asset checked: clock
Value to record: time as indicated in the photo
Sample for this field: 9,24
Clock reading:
10,42
